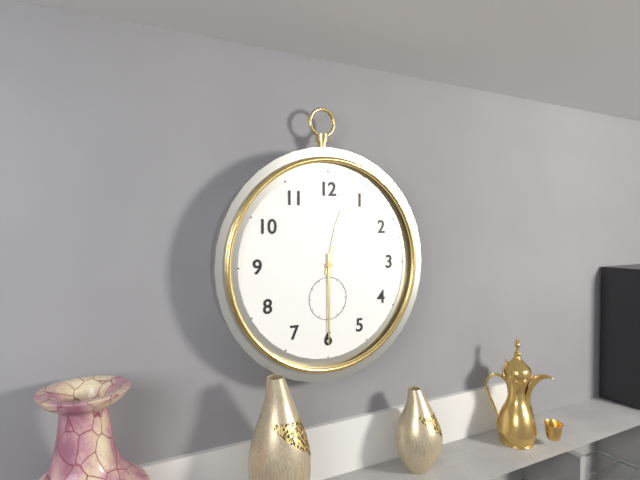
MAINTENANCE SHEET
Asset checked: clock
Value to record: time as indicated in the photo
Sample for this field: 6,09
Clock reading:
12,30
